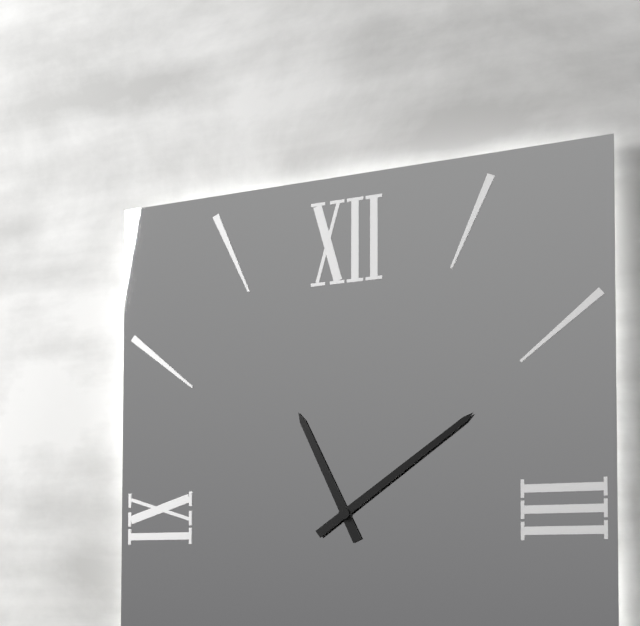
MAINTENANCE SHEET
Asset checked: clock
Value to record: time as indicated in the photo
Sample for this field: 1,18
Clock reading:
11,09
